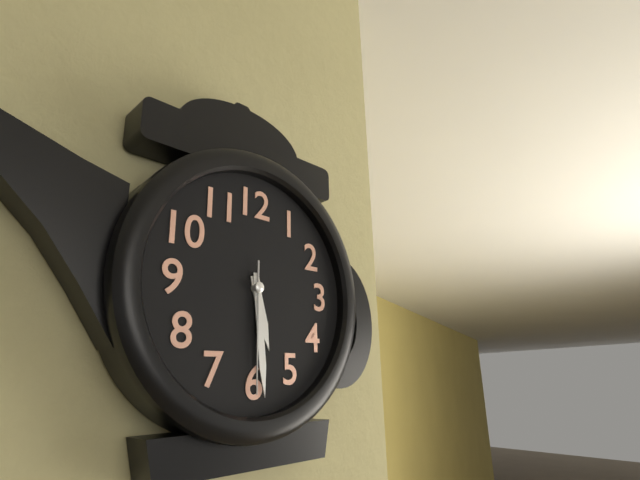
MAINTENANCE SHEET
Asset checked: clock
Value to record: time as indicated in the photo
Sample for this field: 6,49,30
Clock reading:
5,29,30
